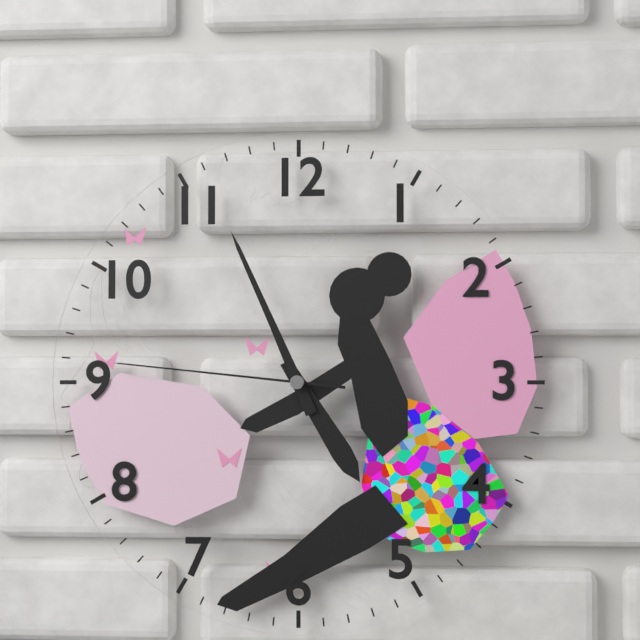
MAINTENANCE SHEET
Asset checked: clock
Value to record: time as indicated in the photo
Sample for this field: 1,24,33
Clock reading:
4,56,46
